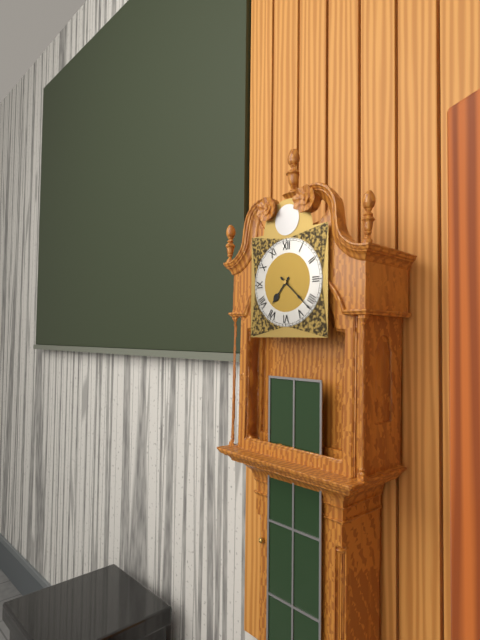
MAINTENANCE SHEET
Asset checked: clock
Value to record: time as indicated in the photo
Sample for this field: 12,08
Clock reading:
7,22
